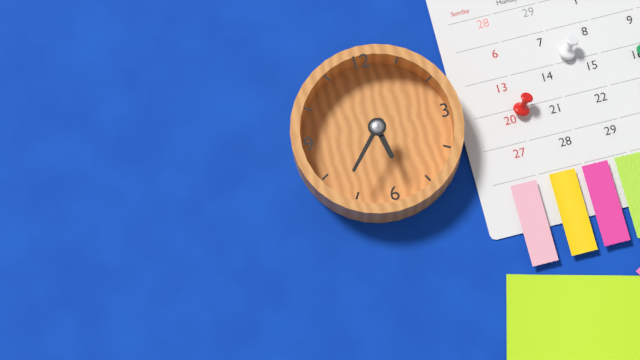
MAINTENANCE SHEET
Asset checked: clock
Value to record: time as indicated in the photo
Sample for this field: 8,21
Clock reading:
5,37
